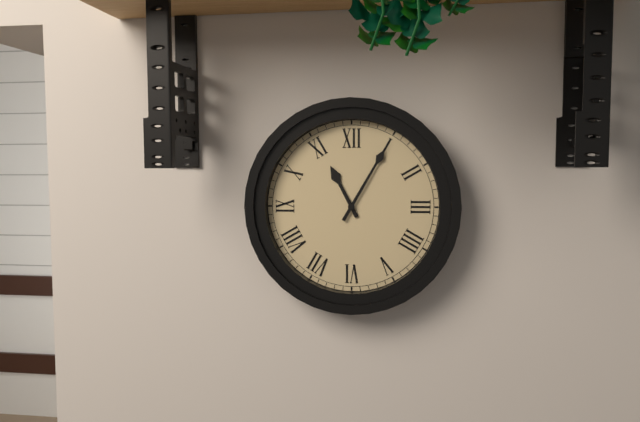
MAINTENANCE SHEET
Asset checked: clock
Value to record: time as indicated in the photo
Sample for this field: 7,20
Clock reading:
11,05
